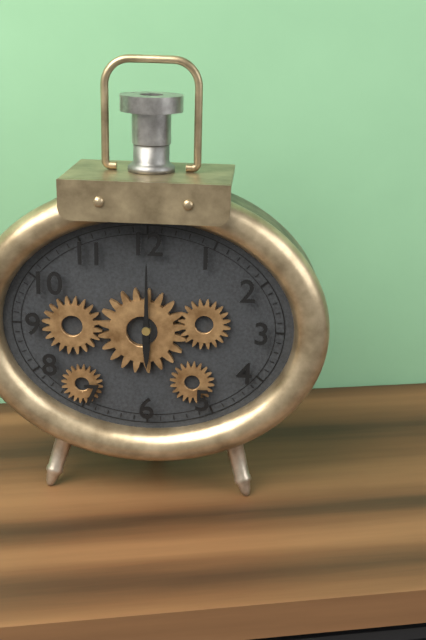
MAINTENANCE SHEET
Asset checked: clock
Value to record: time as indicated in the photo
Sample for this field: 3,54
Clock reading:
6,00
